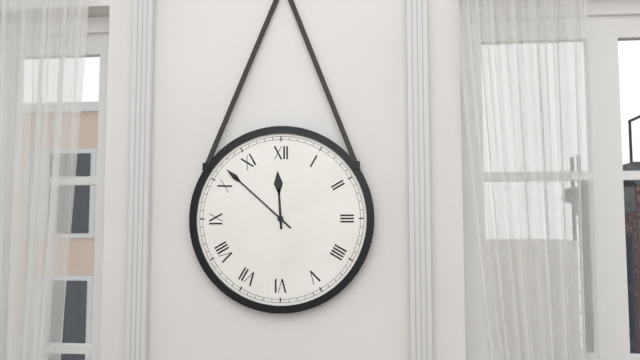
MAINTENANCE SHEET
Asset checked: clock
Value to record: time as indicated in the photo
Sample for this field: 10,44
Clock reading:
11,52
